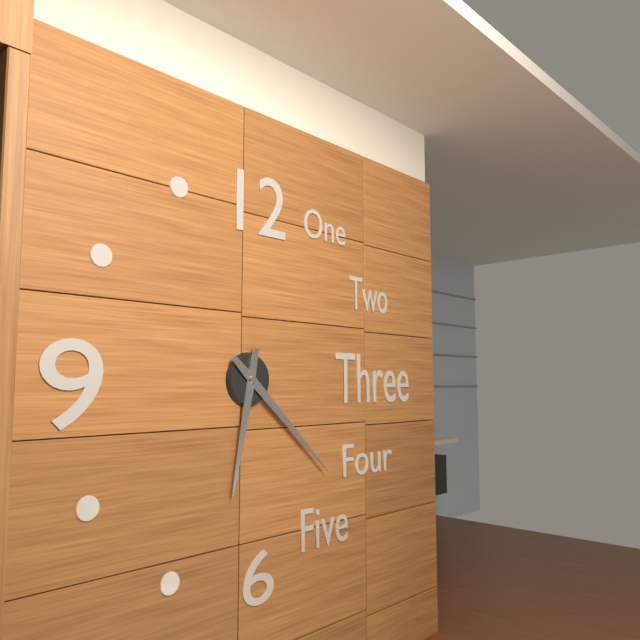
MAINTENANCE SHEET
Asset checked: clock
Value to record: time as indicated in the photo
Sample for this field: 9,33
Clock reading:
6,22
